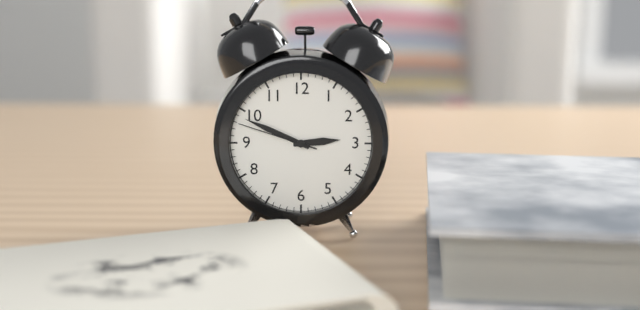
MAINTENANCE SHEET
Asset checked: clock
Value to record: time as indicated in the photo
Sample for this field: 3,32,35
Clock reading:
2,49,48
